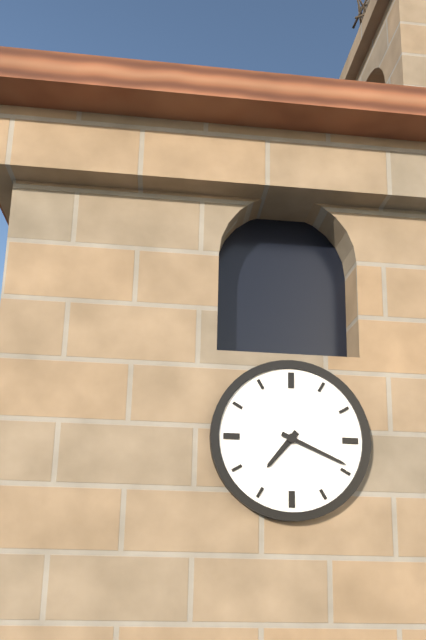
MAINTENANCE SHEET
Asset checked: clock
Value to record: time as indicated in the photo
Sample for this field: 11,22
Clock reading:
7,19
